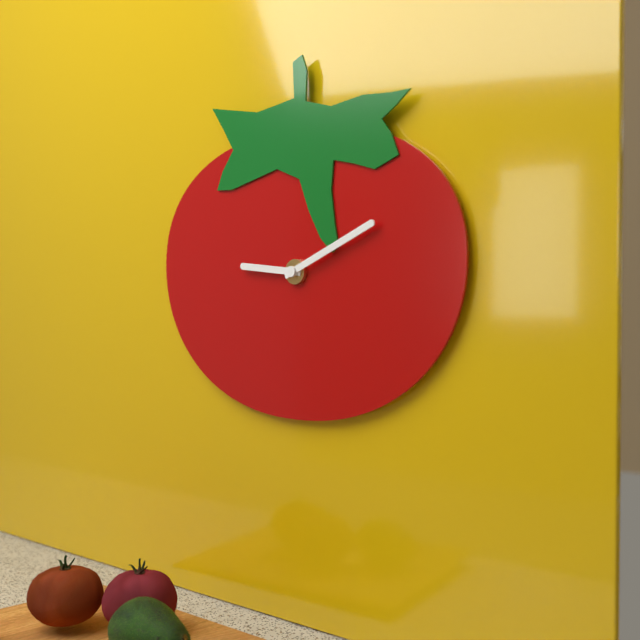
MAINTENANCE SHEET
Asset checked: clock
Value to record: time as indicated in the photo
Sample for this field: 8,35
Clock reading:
9,11
